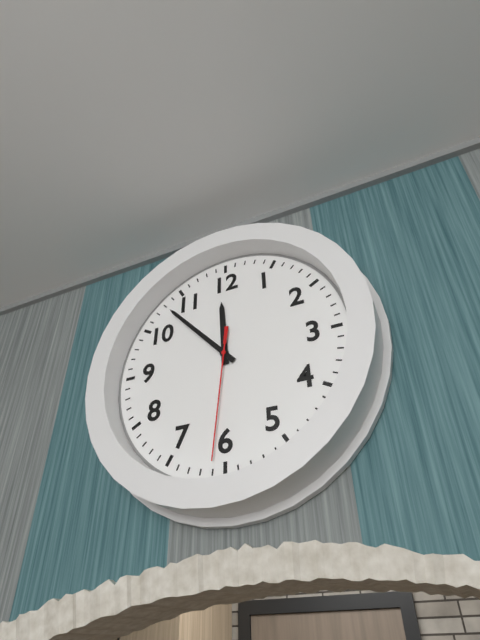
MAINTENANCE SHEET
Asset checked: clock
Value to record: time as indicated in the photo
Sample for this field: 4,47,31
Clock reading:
11,53,31
